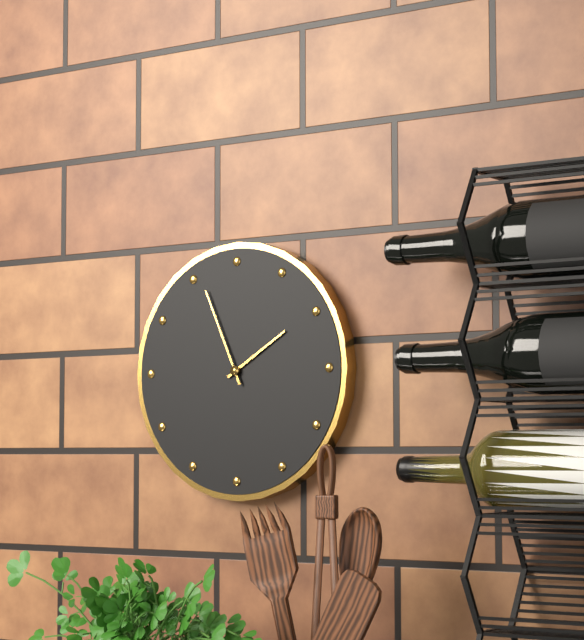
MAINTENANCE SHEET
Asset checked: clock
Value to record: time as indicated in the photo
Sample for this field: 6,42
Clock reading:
1,56
